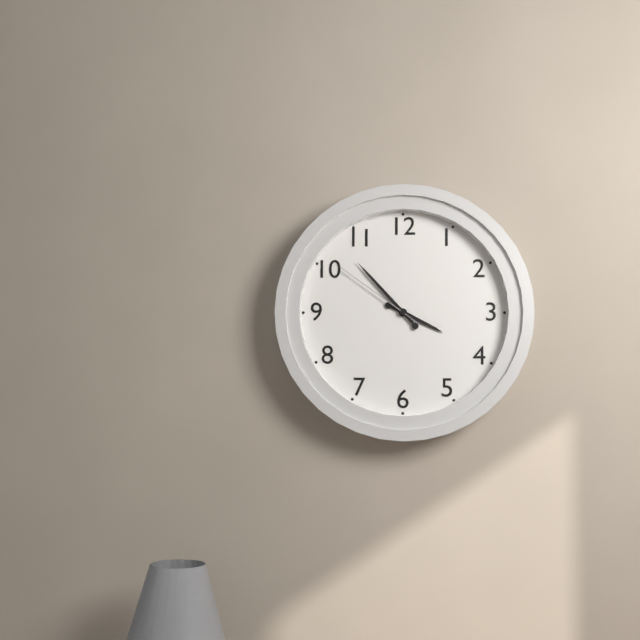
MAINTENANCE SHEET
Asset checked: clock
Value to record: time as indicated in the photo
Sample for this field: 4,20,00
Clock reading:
3,53,51
